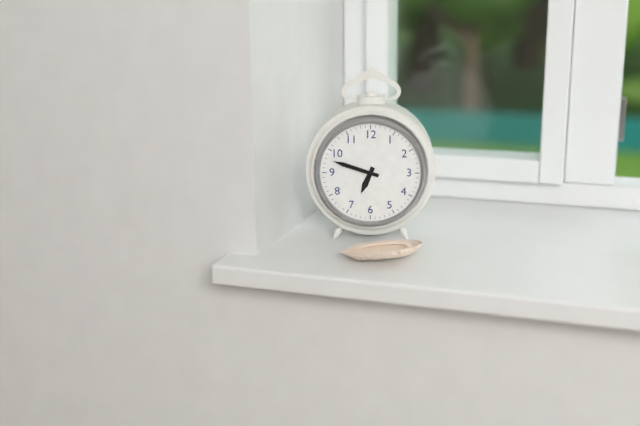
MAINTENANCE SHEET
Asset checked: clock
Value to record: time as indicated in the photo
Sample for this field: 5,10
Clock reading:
6,48
